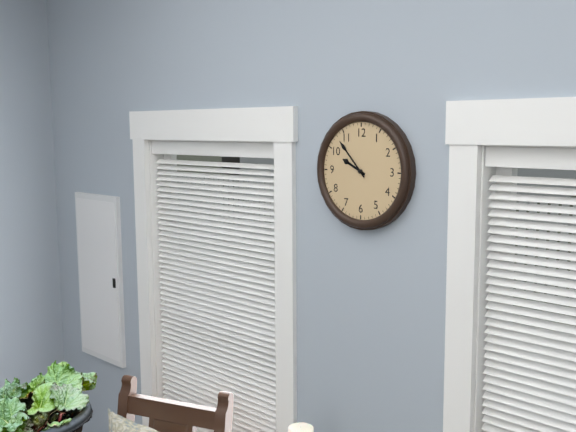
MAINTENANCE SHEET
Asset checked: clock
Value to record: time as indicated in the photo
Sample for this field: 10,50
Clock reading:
9,53
